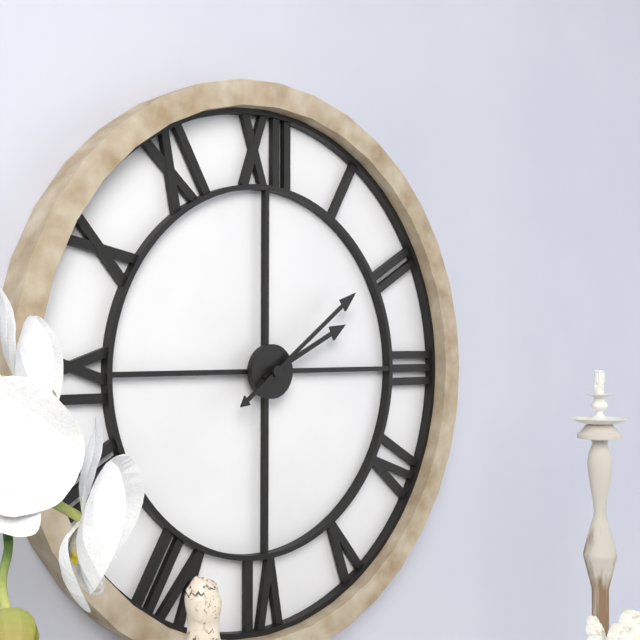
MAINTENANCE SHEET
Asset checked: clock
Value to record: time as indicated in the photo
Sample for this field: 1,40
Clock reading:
2,09
